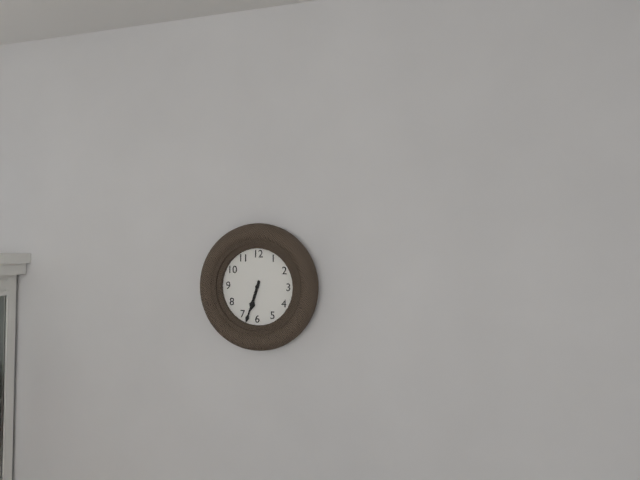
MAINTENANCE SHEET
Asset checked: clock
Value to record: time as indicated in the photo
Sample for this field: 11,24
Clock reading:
6,33
